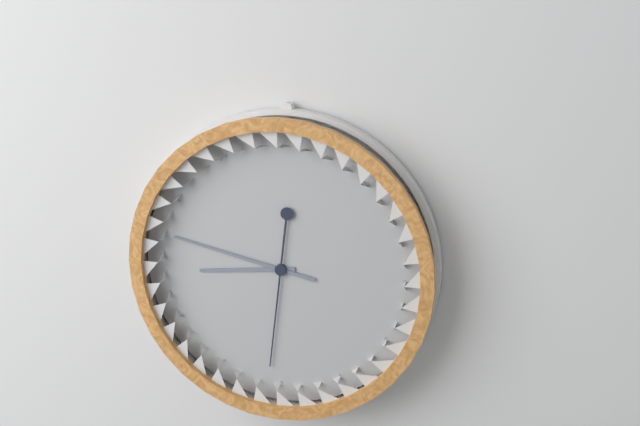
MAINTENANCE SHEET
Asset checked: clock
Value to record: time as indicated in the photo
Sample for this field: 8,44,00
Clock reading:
8,47,31
